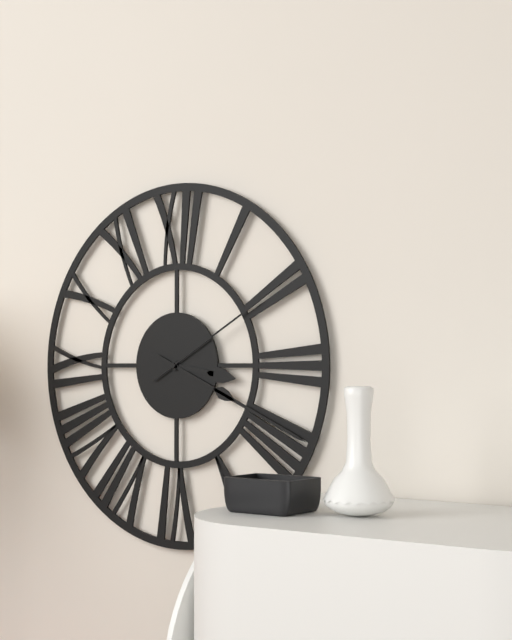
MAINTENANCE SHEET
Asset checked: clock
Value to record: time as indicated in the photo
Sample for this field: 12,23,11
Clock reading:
3,19,10
